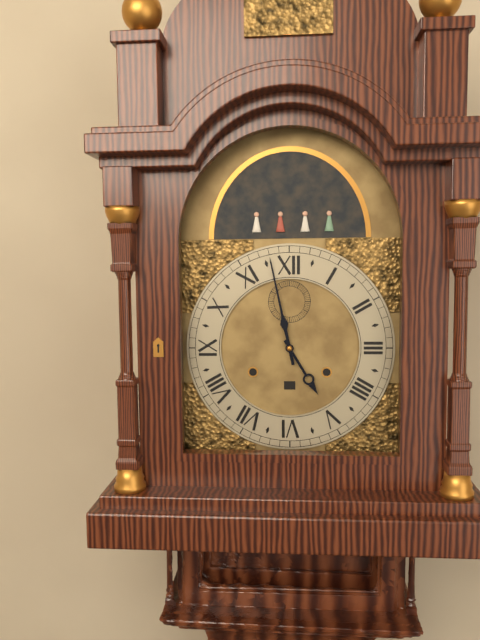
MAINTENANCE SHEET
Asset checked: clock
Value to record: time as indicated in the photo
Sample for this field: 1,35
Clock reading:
4,58
